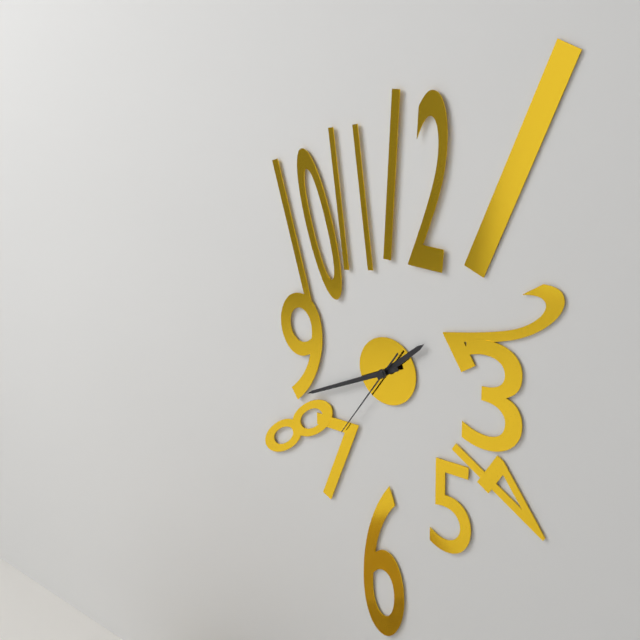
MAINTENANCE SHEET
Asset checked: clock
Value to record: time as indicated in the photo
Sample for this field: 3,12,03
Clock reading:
1,41,36
